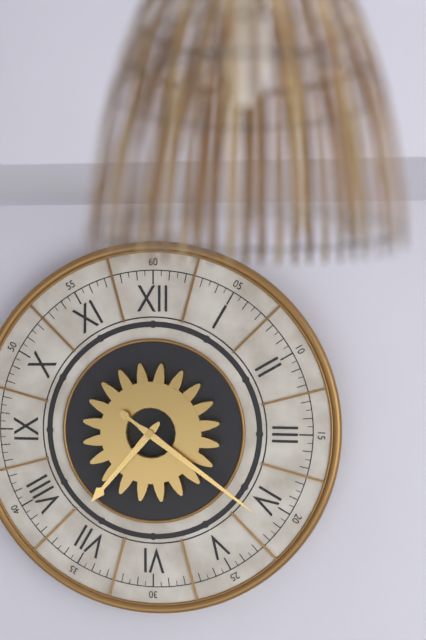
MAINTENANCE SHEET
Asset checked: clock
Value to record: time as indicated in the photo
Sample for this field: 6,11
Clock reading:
7,21
